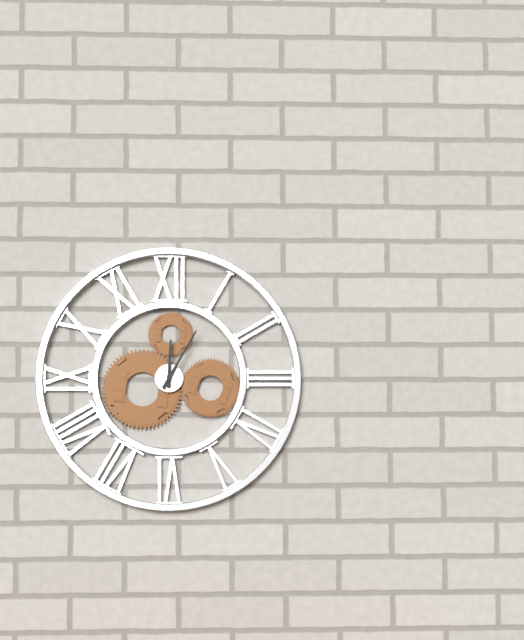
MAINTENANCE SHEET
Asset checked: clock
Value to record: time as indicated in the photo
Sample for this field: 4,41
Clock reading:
12,05
